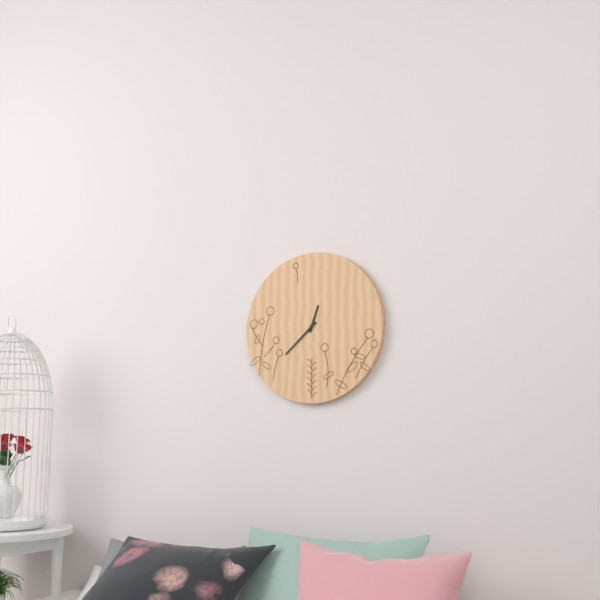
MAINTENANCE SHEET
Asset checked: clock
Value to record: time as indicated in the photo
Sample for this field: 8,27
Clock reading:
12,38
